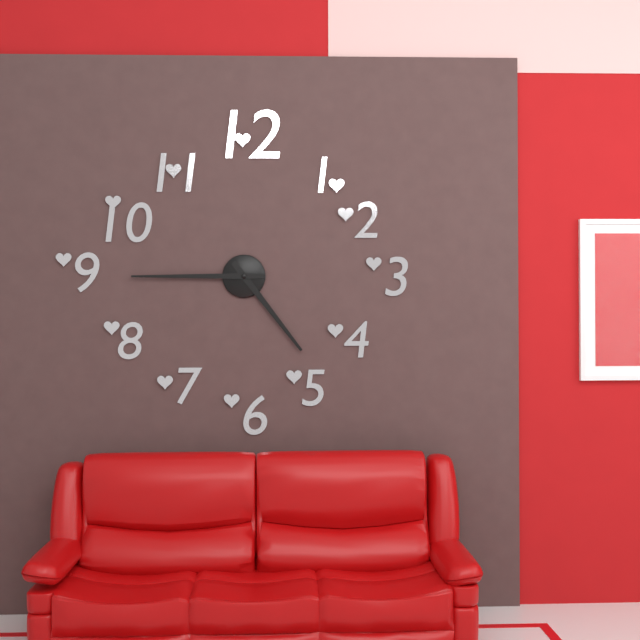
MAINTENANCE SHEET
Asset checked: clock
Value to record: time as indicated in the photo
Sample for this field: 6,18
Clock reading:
4,45
